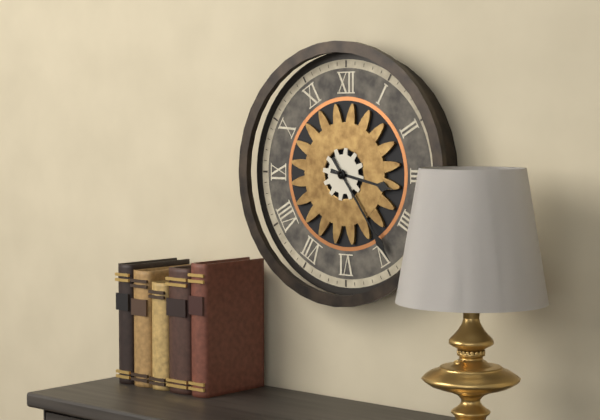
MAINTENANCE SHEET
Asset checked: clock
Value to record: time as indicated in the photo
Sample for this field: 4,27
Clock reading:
3,24
